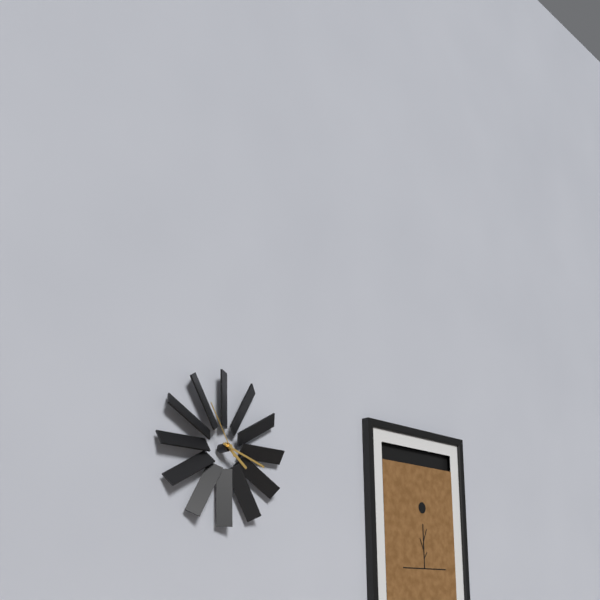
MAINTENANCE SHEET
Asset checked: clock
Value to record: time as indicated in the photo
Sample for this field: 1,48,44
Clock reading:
4,18,55
